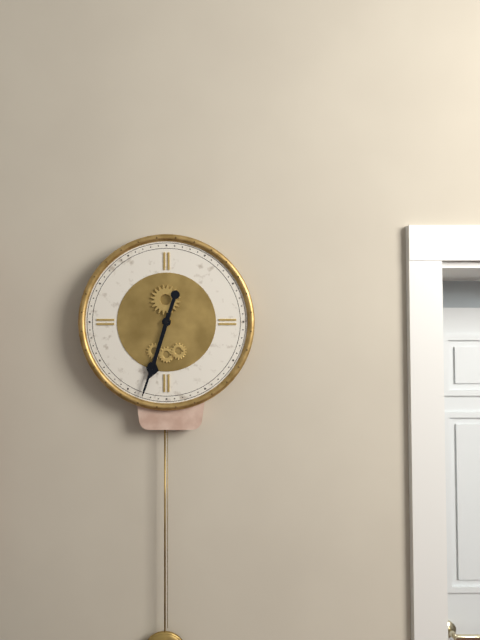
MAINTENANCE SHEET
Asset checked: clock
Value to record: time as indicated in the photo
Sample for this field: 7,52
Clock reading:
6,33
